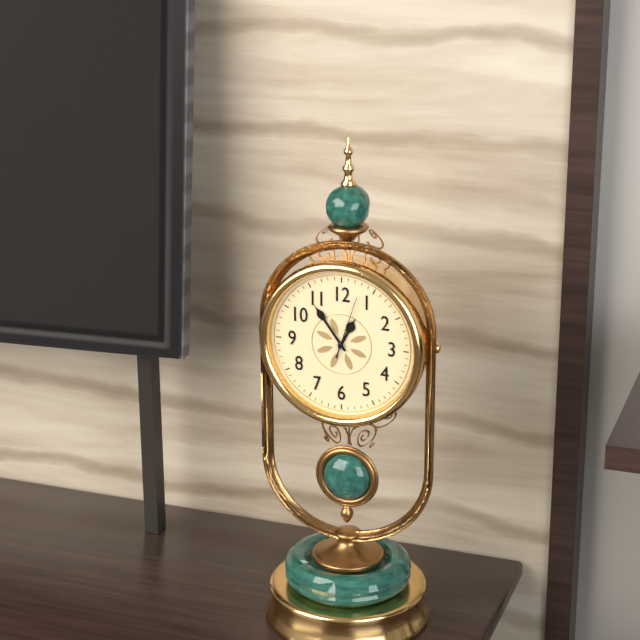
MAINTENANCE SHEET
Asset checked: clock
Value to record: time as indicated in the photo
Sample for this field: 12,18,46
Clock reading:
12,54,03
